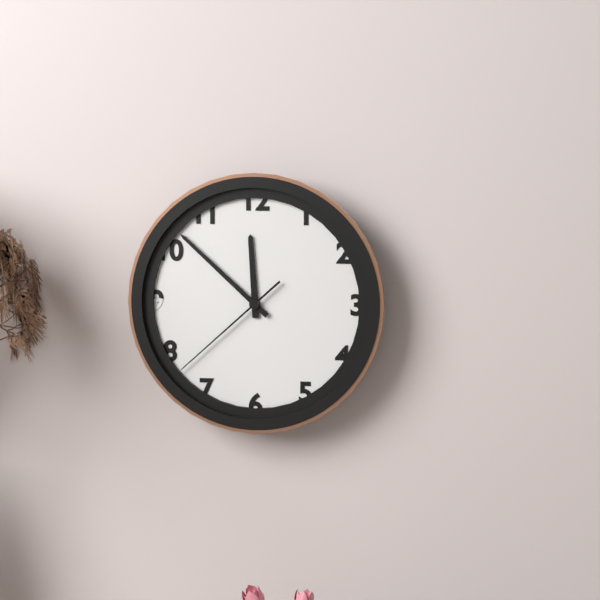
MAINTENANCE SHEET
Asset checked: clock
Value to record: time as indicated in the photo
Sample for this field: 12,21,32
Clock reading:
11,52,38
